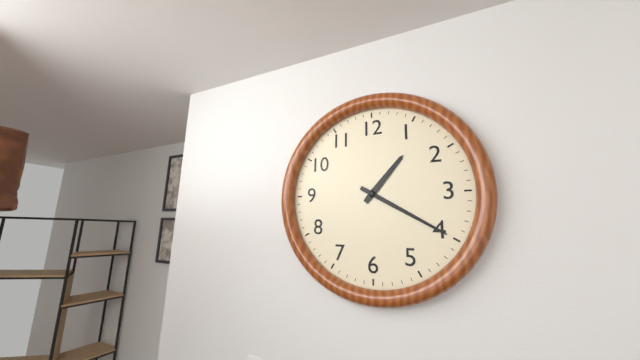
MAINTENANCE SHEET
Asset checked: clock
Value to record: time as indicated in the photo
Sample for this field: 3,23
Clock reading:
1,20
